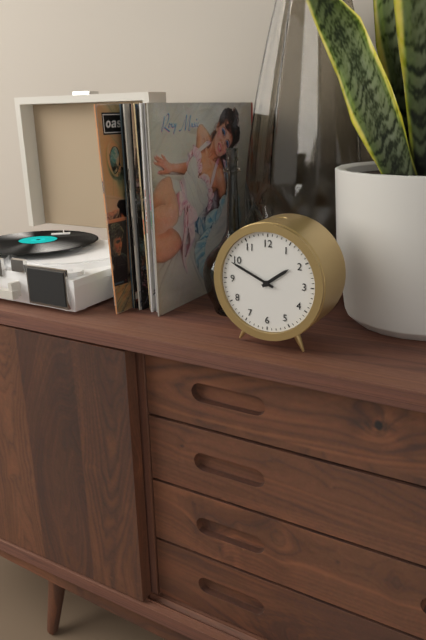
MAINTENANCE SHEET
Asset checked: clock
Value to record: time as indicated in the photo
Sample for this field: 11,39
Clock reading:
1,49
